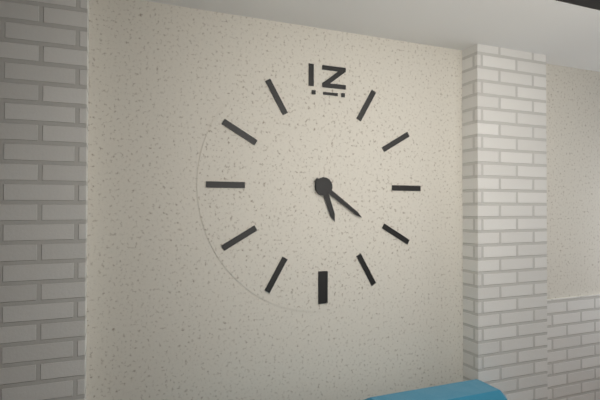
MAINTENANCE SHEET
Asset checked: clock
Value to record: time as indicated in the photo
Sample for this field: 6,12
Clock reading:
5,21
